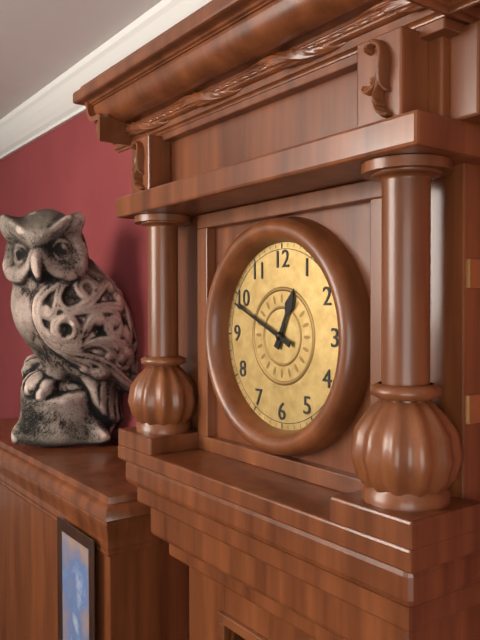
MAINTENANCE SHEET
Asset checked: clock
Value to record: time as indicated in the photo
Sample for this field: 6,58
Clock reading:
12,49
